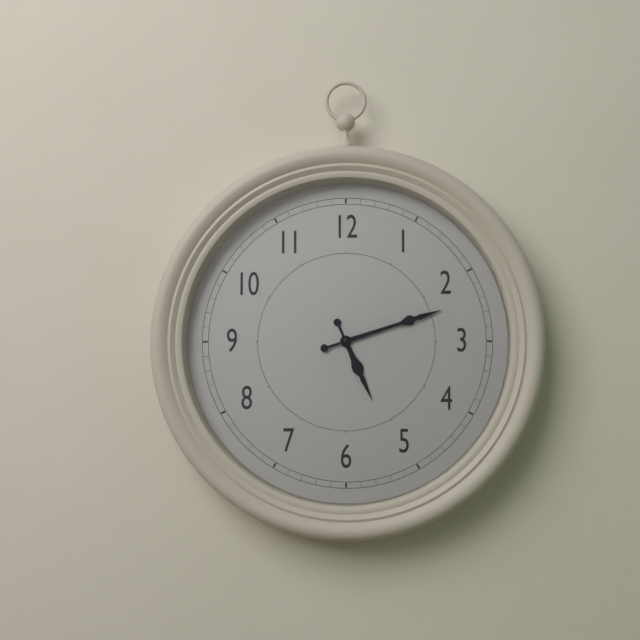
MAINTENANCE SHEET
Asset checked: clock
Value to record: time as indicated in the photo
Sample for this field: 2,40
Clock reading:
5,12
